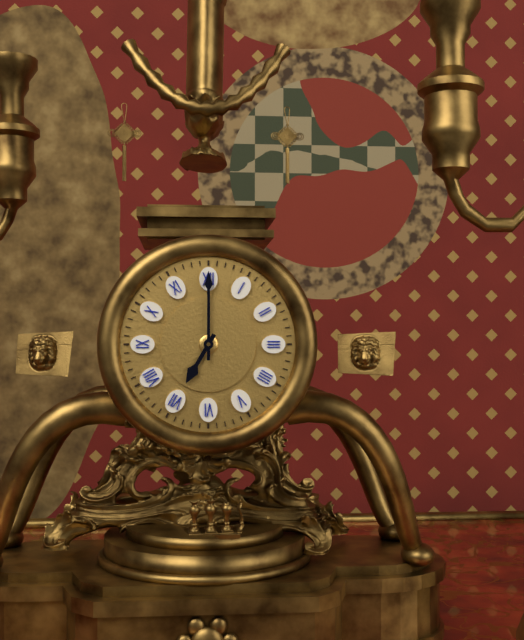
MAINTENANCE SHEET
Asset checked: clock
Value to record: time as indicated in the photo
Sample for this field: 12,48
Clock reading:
7,00
